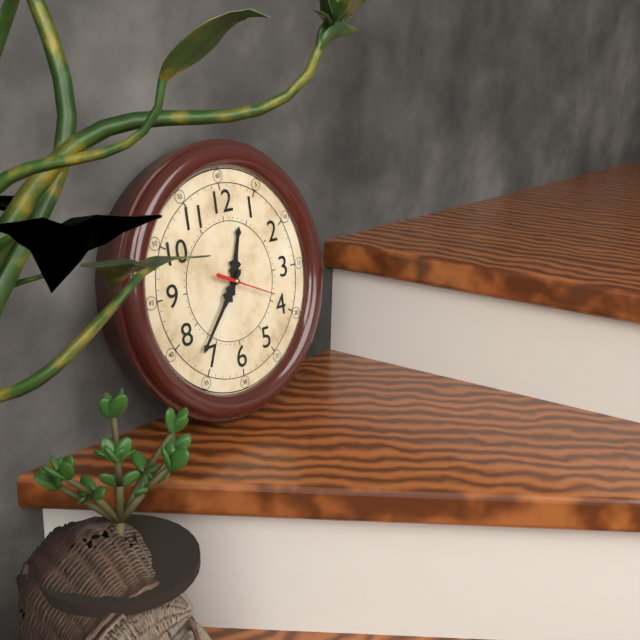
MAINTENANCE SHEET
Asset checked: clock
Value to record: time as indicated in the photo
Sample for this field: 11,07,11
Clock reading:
12,37,19
